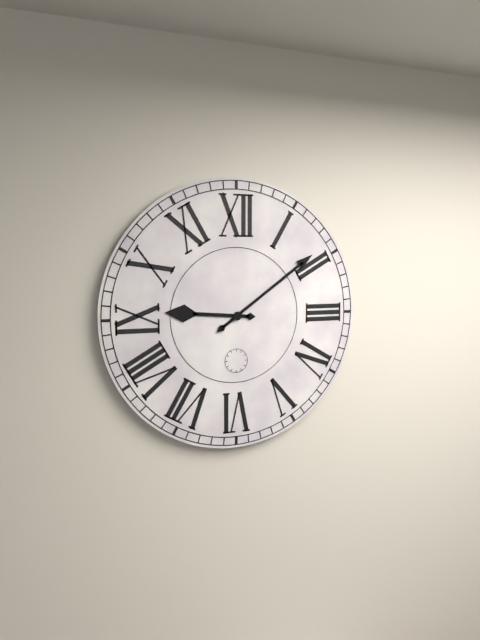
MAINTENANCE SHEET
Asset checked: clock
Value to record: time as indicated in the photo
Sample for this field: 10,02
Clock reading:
9,09
